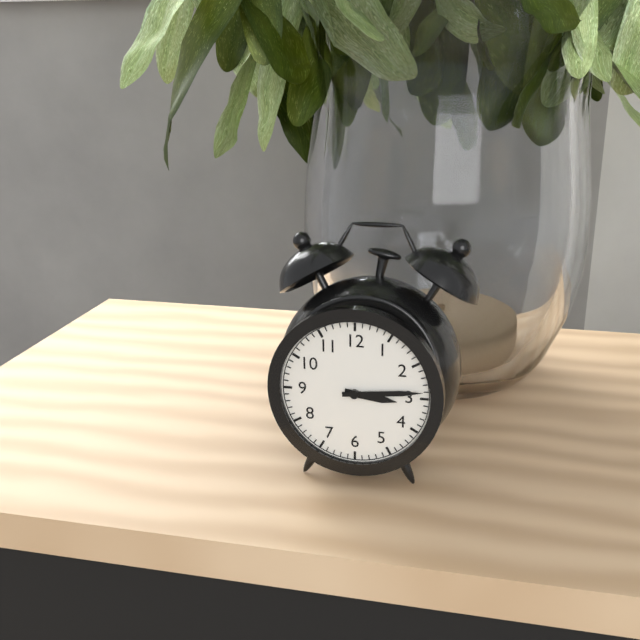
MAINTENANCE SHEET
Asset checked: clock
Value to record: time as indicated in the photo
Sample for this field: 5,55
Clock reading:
3,14
